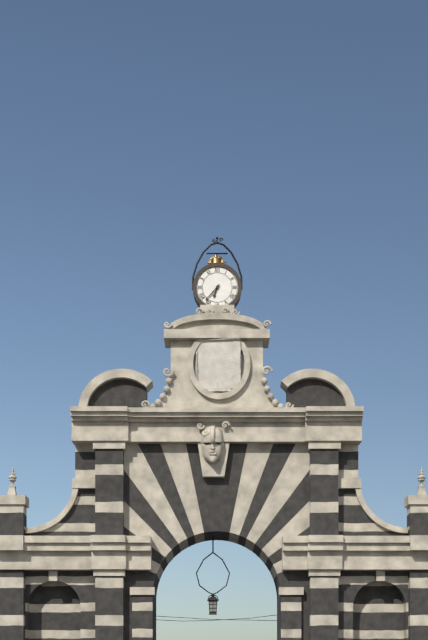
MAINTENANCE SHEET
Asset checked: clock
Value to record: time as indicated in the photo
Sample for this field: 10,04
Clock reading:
6,37
